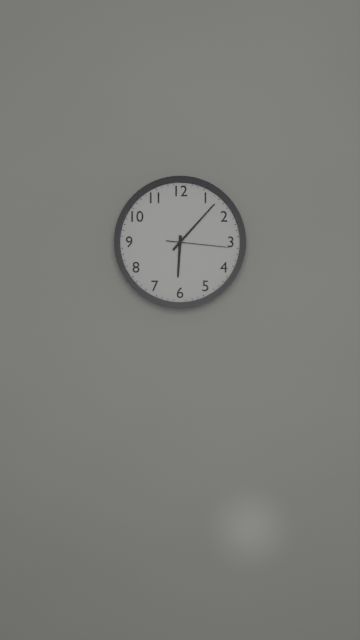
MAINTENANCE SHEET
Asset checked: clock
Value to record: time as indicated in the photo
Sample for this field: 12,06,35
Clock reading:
6,07,16
